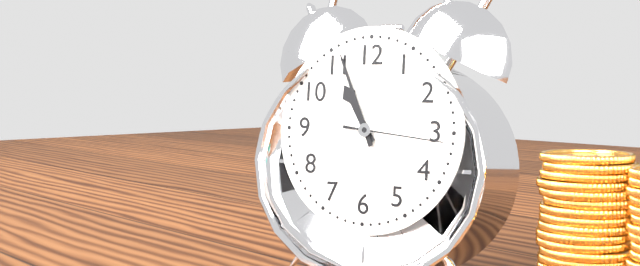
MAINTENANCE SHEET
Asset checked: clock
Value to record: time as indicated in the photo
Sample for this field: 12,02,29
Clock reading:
10,56,16
